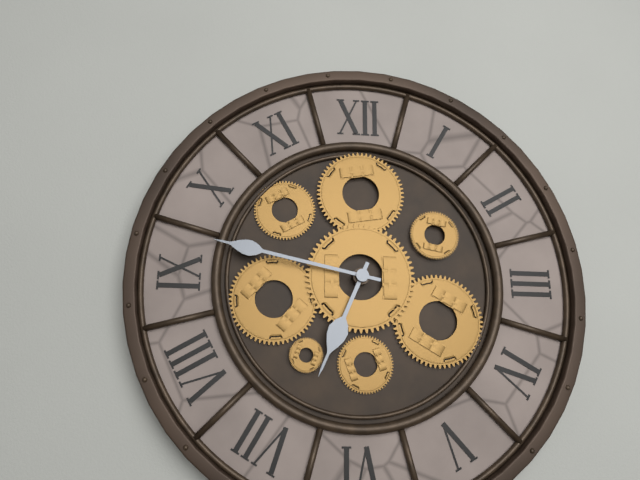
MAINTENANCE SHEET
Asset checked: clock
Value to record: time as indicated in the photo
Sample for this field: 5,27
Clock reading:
6,47
